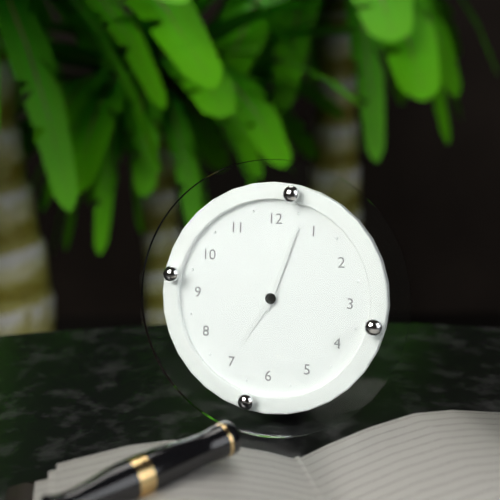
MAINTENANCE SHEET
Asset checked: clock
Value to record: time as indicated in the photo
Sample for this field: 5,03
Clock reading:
7,03
